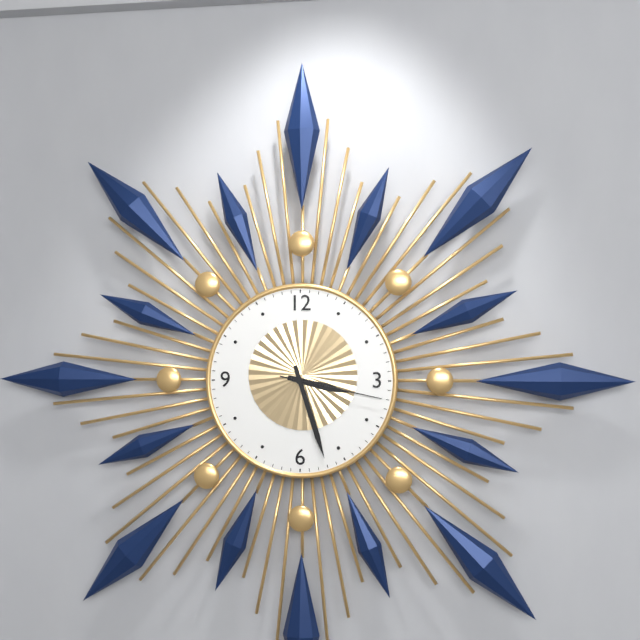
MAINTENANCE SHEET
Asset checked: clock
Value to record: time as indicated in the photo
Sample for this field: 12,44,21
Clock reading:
3,27,17
